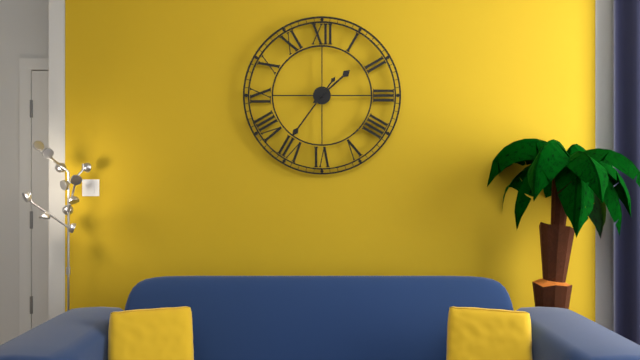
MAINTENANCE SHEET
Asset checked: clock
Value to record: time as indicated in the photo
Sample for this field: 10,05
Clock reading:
1,36
